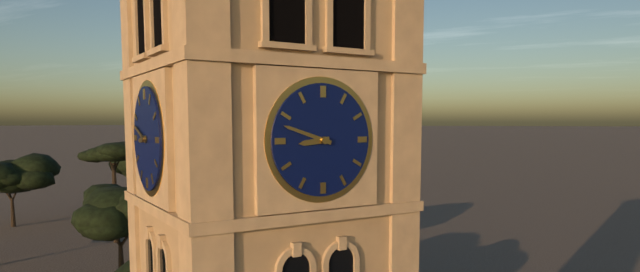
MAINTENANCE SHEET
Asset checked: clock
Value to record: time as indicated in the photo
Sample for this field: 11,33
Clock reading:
8,48
